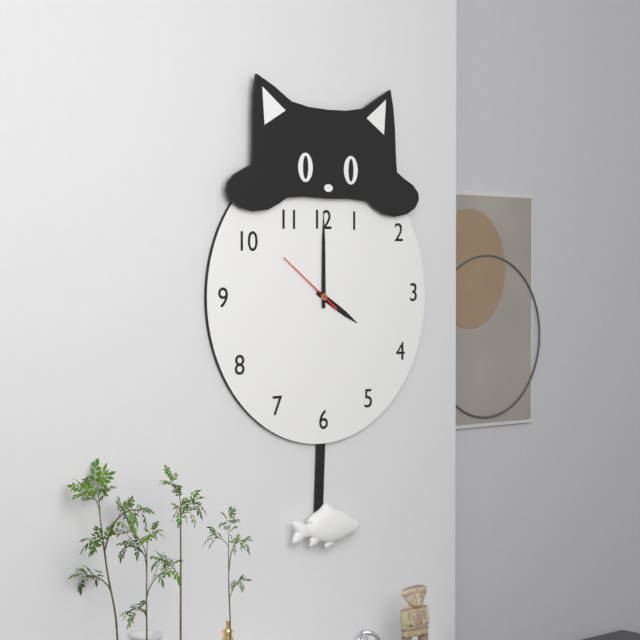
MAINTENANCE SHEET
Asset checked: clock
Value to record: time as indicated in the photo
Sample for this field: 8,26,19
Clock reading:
4,00,51
